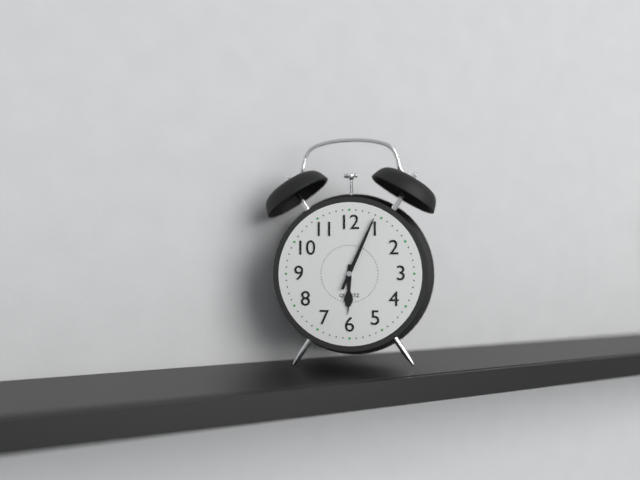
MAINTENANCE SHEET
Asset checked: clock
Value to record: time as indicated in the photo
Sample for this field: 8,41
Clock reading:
6,04
